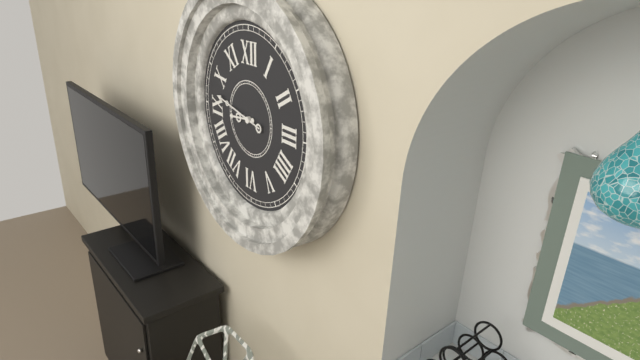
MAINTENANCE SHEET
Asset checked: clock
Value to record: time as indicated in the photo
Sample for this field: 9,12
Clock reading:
8,47
